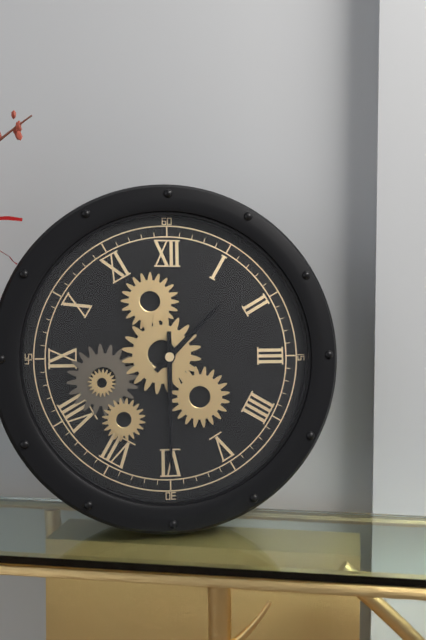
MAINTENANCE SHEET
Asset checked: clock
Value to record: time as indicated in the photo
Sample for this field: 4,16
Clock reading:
1,30
